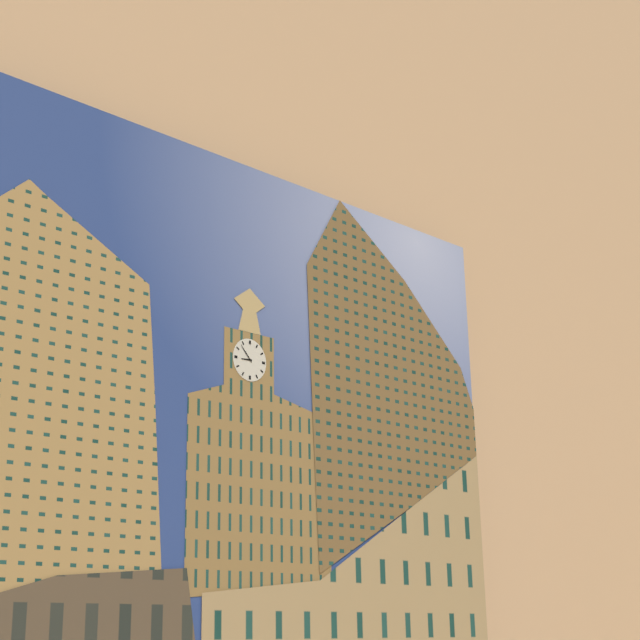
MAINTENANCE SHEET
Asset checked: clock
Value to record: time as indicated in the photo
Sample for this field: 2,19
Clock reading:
8,53
